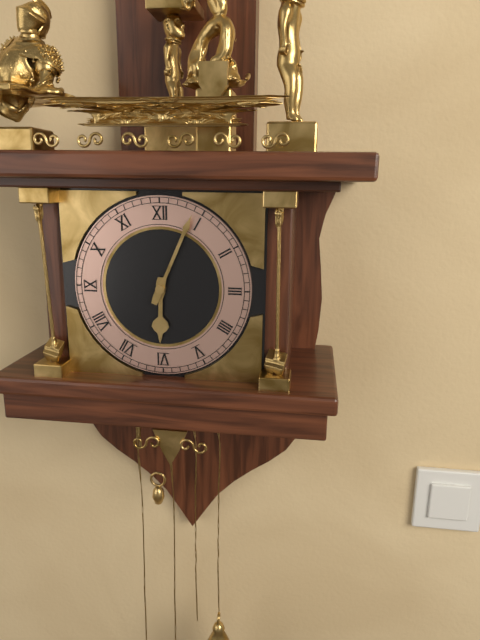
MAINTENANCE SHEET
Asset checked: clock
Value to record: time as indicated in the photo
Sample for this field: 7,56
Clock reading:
6,04
